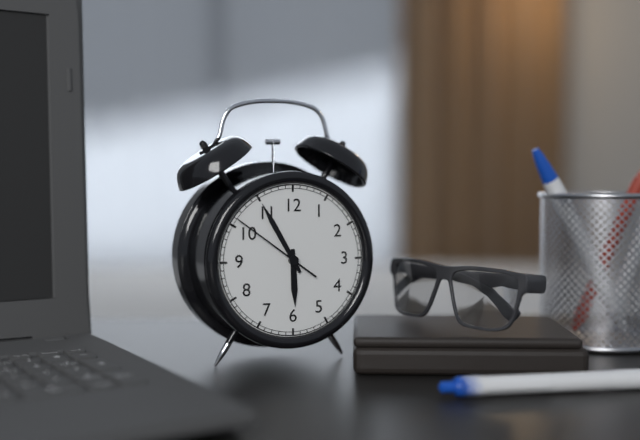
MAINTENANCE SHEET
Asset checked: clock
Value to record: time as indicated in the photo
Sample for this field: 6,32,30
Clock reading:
5,55,51
